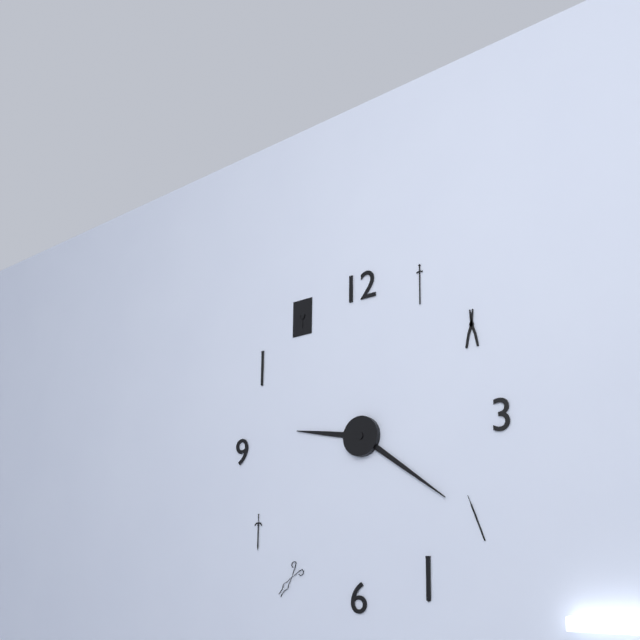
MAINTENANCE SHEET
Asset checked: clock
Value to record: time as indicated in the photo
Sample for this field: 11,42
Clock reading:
9,21
